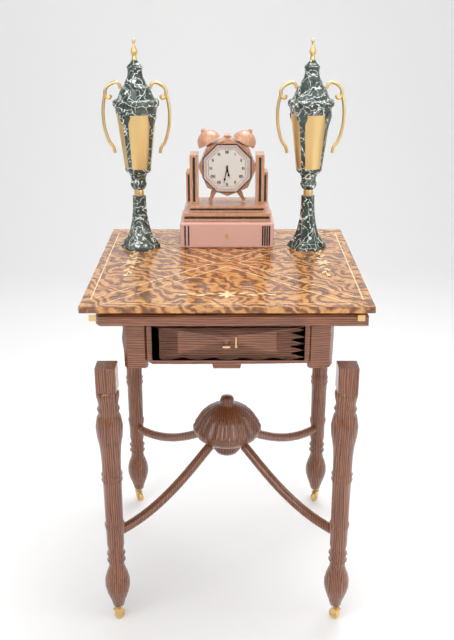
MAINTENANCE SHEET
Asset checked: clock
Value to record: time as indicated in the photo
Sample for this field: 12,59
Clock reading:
5,32
